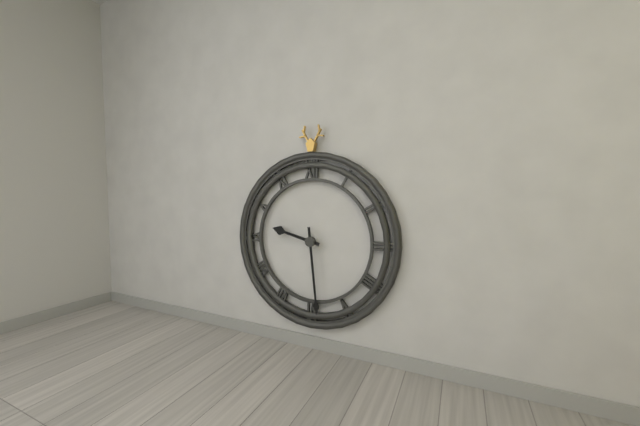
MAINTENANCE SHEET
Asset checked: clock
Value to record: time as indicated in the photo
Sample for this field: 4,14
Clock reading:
9,29
